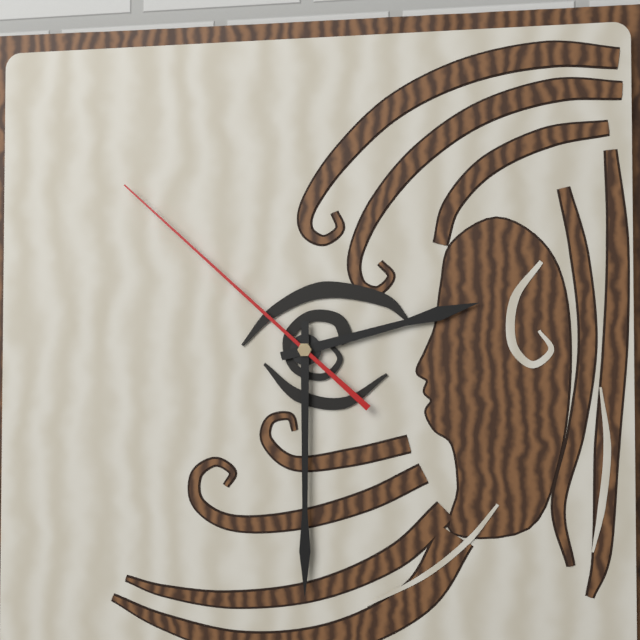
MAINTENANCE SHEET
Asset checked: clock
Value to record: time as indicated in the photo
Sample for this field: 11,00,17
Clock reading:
2,30,52
